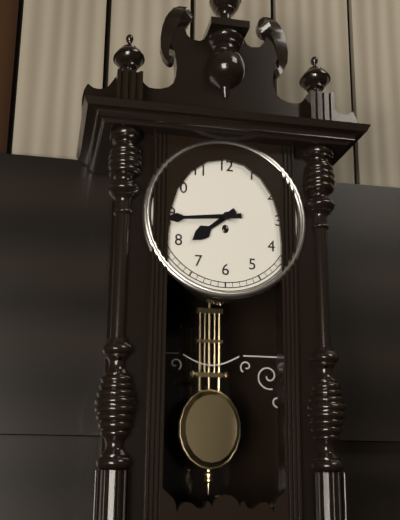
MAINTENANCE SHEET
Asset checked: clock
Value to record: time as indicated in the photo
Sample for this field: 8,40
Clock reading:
7,44
